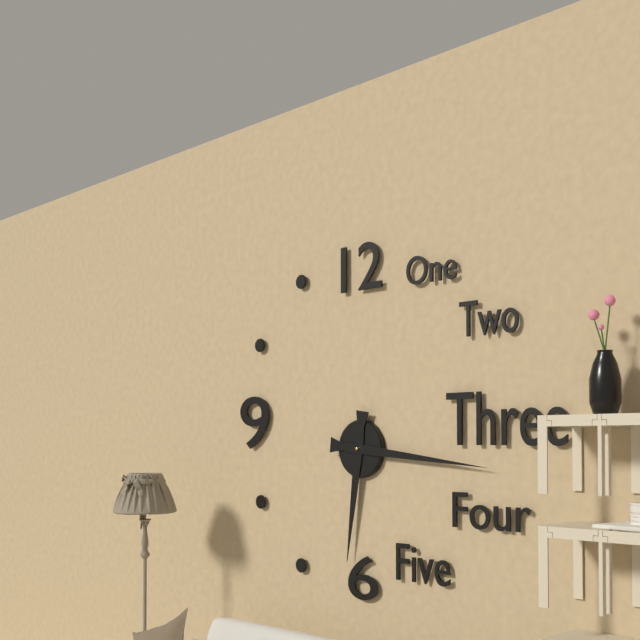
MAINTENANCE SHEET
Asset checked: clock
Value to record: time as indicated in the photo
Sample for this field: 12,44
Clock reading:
6,16
